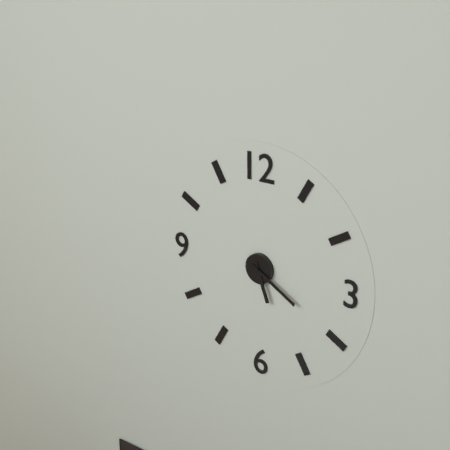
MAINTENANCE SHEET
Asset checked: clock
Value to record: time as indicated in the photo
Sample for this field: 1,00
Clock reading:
5,20
